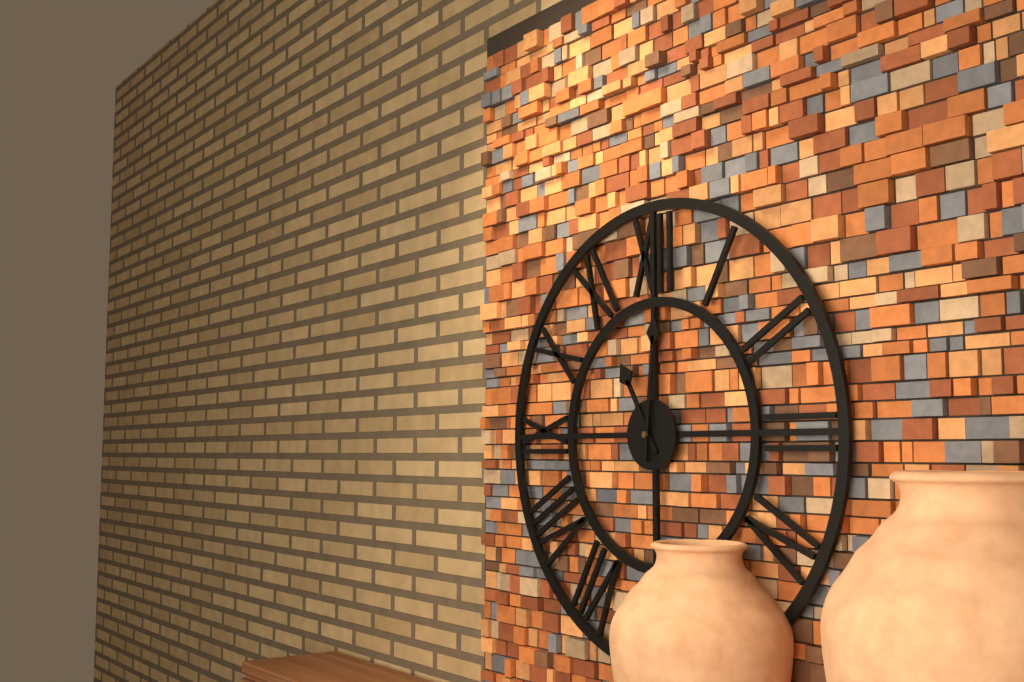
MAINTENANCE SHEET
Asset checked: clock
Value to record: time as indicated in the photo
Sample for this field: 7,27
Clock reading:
11,01
